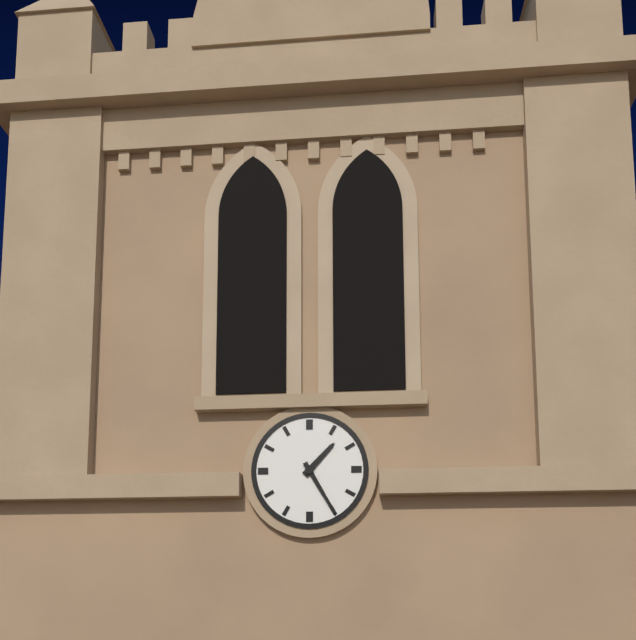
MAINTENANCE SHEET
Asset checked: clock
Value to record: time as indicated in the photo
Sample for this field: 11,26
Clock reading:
1,25
